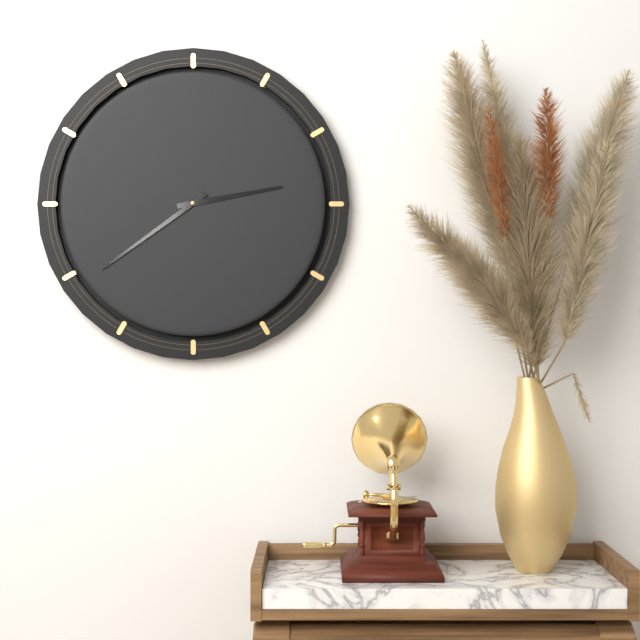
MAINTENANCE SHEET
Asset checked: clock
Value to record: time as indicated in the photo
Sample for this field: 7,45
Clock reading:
2,39
